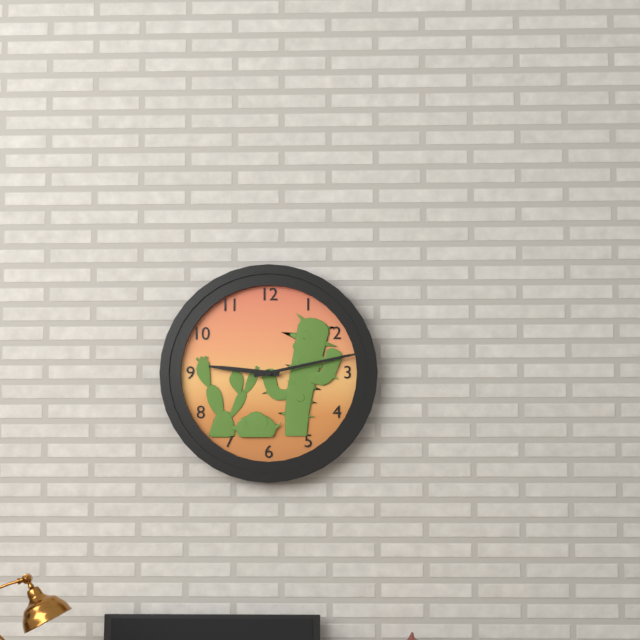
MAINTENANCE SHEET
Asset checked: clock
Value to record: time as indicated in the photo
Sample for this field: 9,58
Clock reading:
9,13
